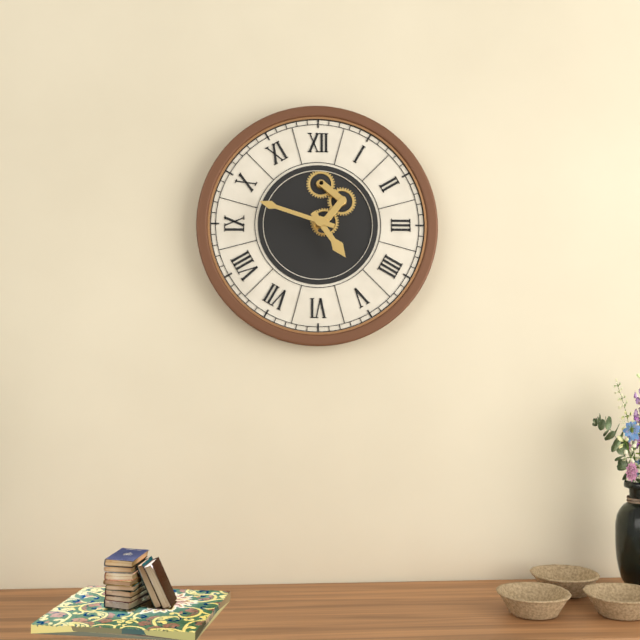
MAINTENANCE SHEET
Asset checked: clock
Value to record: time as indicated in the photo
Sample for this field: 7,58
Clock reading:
4,48
